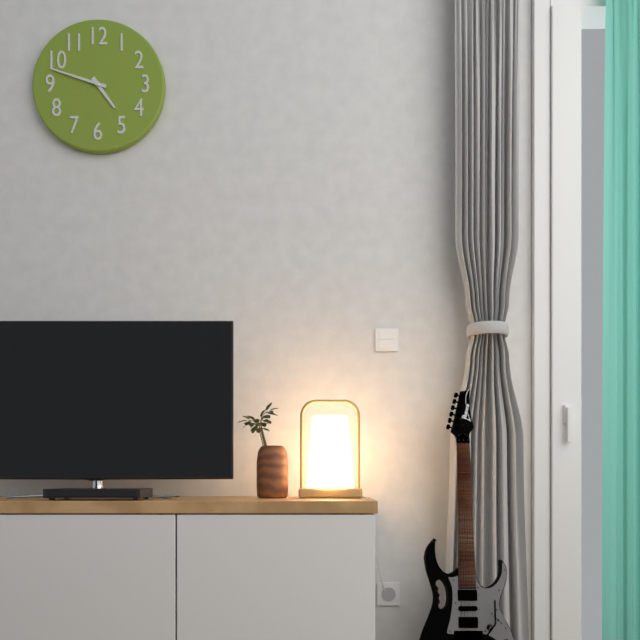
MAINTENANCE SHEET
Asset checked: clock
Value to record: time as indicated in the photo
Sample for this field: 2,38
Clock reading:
4,48
